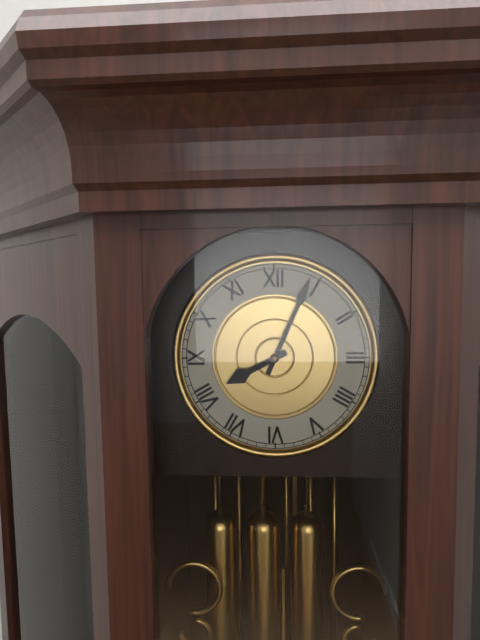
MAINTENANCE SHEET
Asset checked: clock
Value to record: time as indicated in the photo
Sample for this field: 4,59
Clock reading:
8,04
